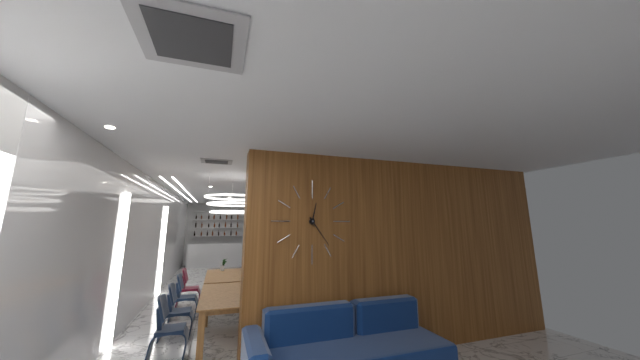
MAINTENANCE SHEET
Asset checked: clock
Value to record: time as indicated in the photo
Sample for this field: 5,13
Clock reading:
12,24
